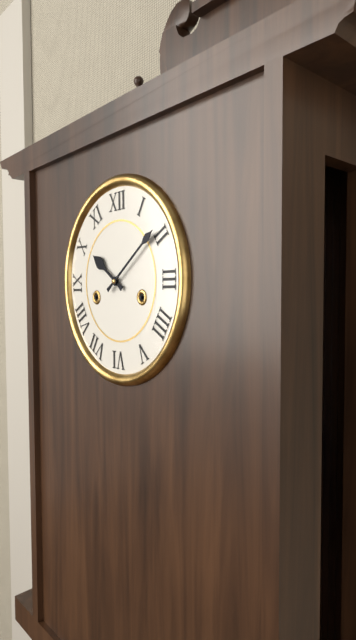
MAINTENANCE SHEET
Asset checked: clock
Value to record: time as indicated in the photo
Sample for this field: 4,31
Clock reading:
10,09
